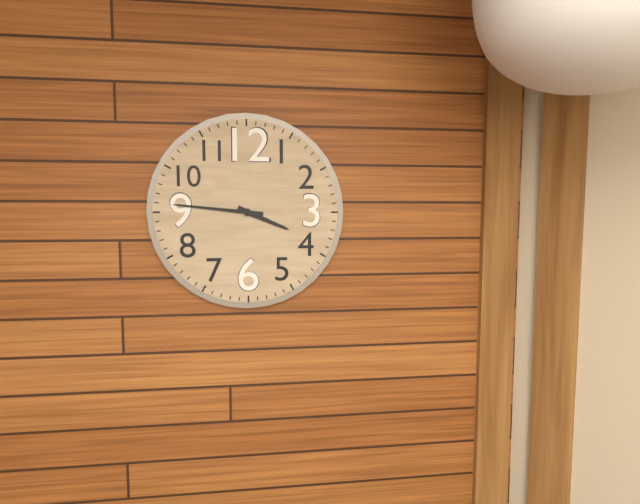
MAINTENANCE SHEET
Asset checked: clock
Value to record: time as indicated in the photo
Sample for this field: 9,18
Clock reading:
3,46
